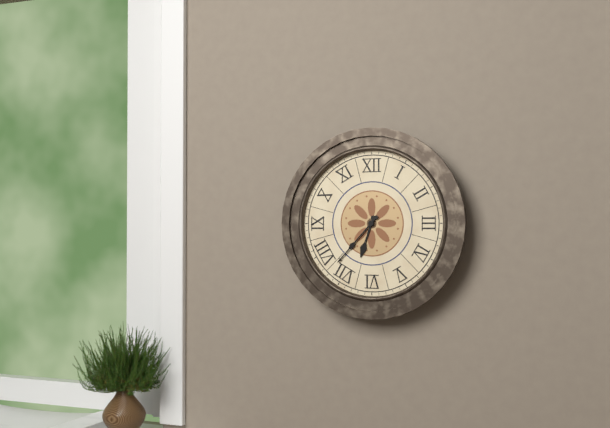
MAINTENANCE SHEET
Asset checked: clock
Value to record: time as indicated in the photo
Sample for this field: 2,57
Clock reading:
6,37
